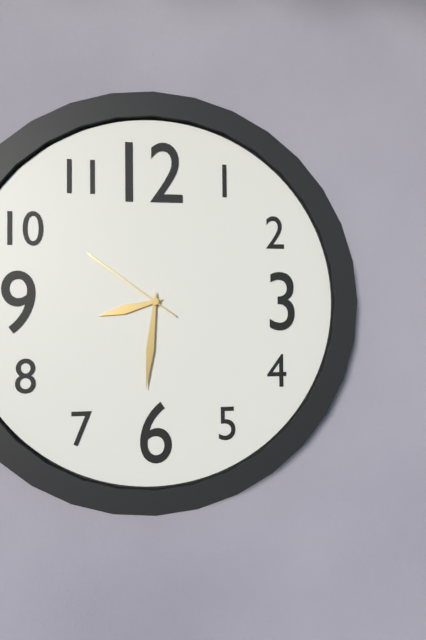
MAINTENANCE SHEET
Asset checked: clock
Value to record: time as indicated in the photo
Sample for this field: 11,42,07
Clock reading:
8,31,51
